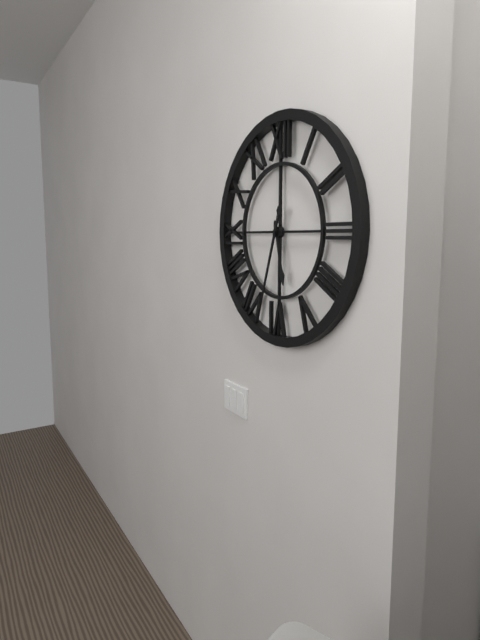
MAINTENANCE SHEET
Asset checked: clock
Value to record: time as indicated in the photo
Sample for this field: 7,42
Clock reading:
5,33
